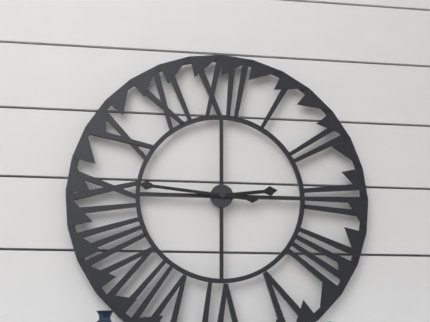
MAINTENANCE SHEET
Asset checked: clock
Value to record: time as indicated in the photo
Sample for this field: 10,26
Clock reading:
2,46
